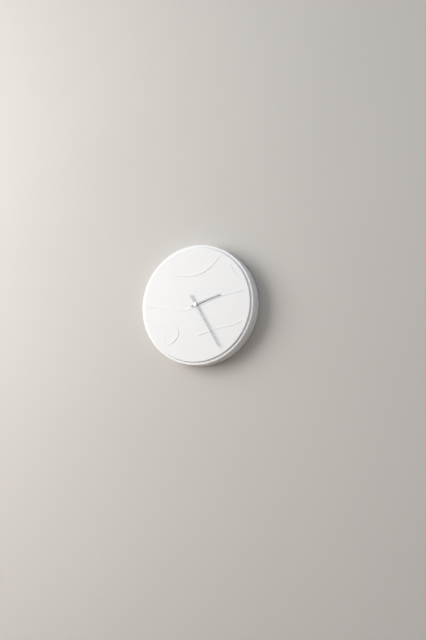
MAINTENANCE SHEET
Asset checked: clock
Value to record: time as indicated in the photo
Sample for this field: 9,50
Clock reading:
2,25
